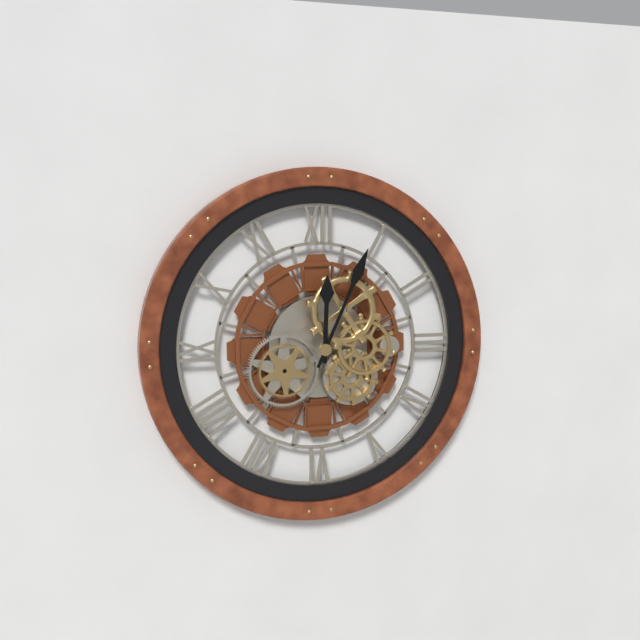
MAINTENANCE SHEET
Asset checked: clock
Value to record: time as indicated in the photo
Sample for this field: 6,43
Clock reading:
12,04
